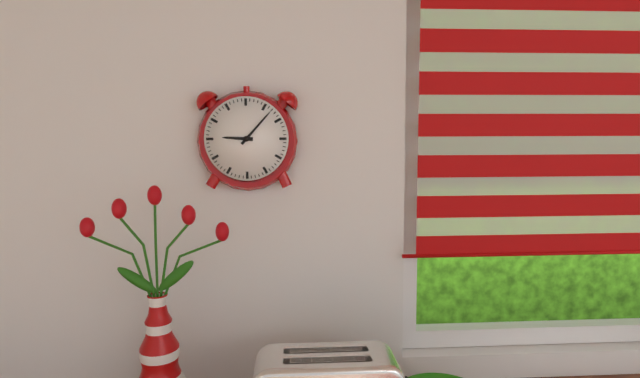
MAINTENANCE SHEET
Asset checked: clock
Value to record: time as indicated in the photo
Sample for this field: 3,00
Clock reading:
9,07
